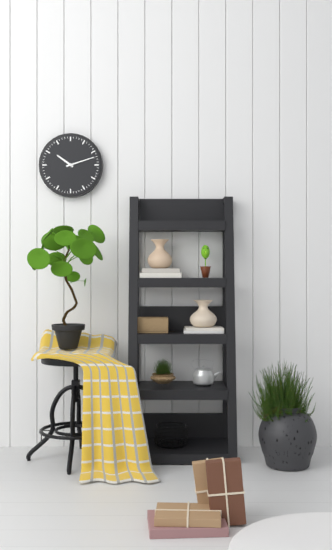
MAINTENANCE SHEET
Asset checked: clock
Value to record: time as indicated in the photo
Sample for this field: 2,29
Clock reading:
10,12
